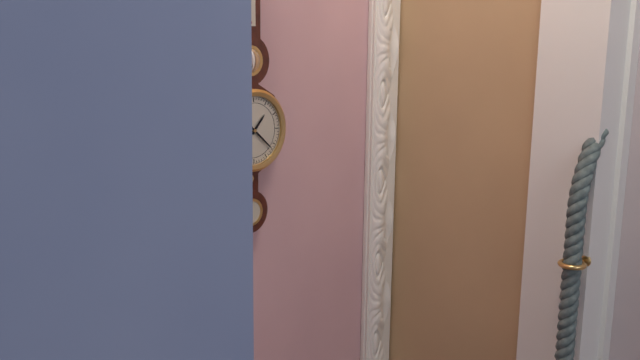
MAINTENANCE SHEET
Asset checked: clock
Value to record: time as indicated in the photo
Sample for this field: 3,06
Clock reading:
1,22
